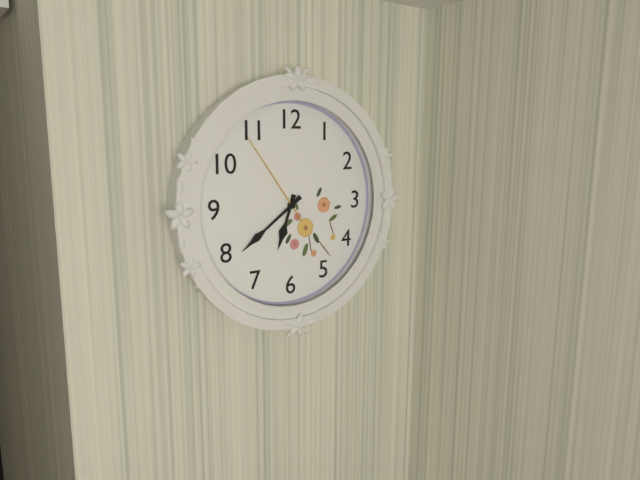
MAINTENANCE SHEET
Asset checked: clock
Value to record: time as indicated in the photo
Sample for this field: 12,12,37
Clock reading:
6,39,54
